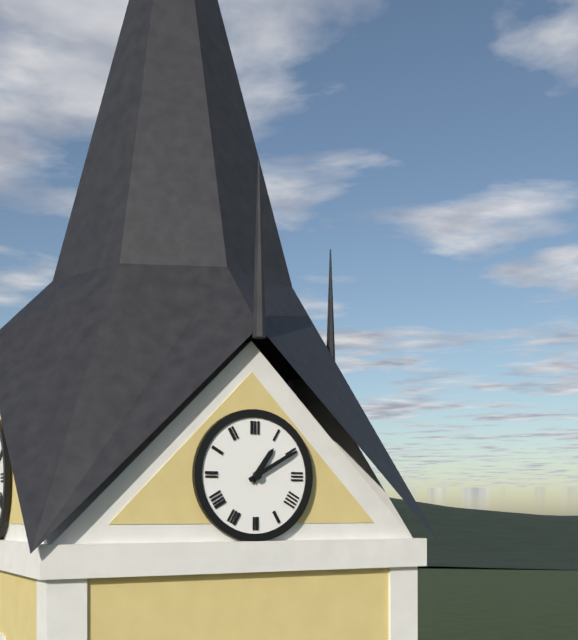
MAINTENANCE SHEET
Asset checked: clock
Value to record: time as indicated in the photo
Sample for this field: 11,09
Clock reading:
1,10
